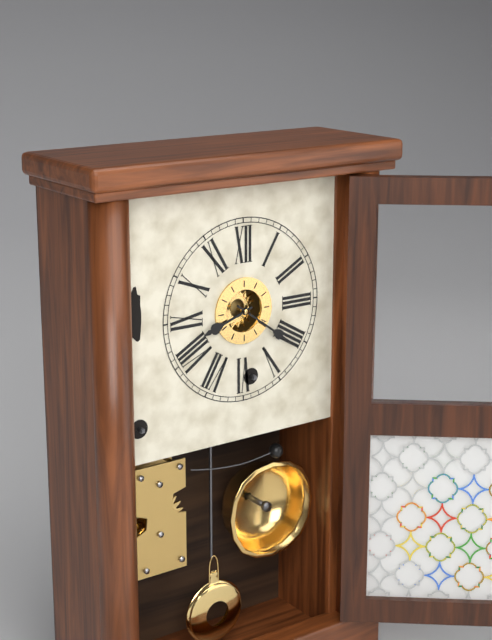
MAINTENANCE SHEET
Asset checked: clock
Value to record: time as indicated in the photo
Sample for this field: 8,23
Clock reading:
8,21
